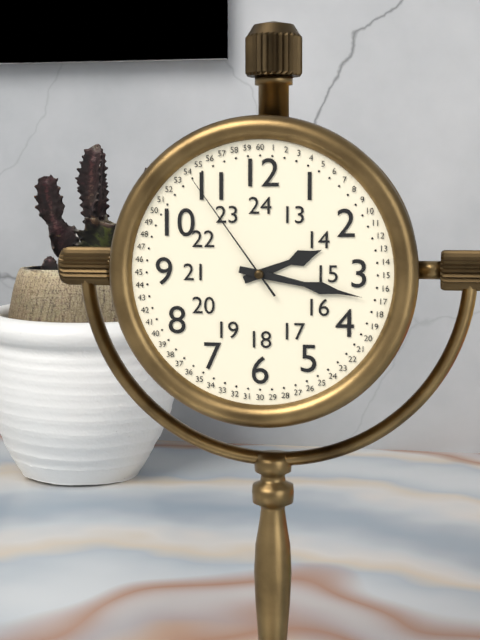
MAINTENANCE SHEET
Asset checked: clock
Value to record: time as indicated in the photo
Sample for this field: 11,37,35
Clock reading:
2,17,54
